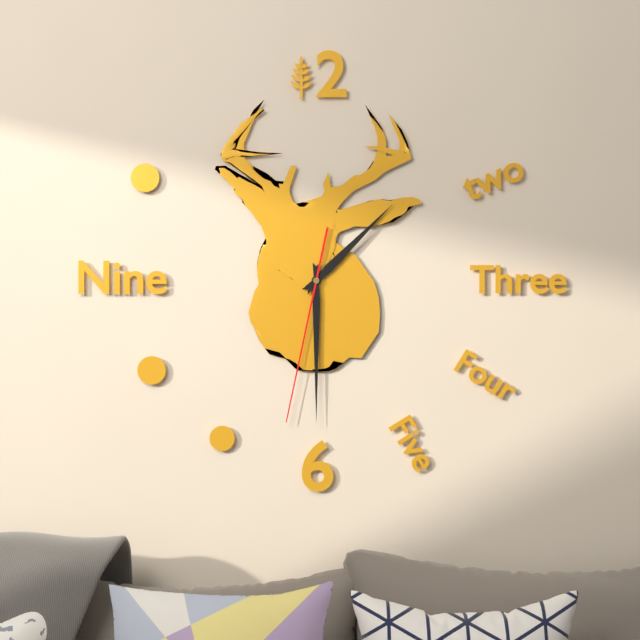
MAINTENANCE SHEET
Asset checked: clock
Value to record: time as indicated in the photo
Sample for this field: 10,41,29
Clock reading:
1,30,32
